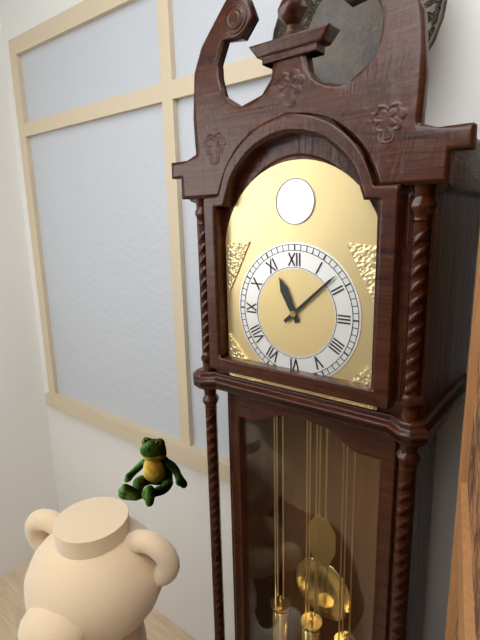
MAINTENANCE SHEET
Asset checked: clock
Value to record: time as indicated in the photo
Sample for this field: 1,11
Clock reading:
11,08
